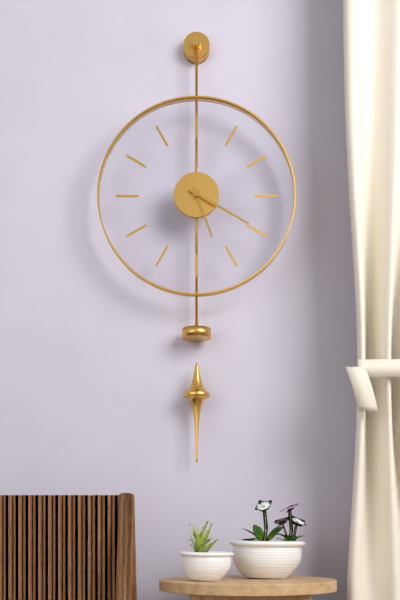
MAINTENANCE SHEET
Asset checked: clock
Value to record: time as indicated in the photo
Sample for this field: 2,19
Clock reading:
5,20
